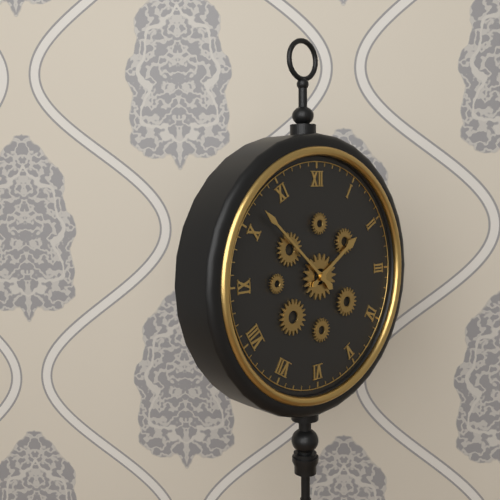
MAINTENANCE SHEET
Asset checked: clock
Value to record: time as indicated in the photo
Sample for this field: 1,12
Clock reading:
1,52
